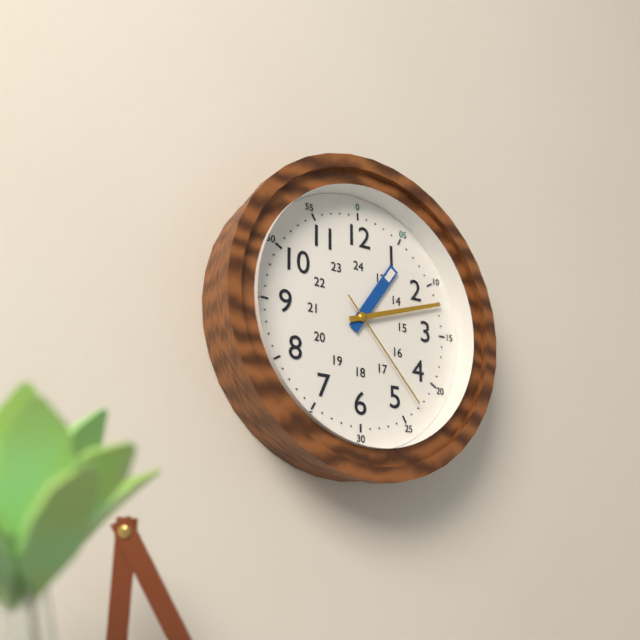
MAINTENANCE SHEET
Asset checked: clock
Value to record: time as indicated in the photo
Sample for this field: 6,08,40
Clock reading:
1,12,23
